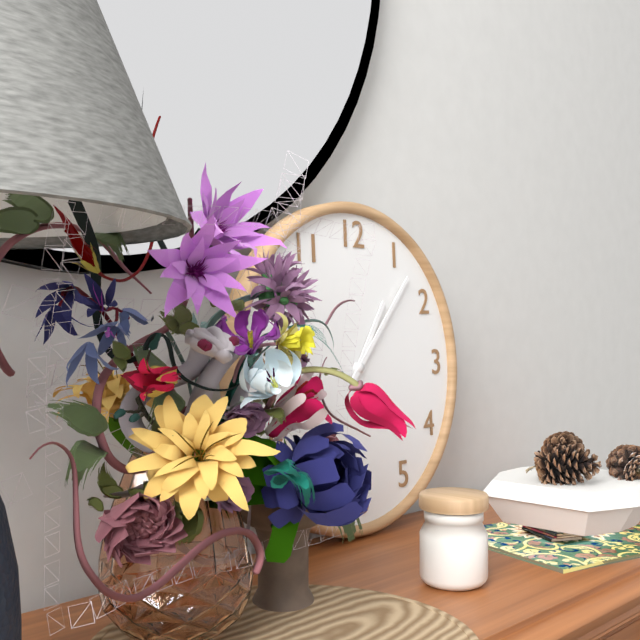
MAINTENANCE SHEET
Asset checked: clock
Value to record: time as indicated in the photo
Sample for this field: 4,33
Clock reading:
1,07
